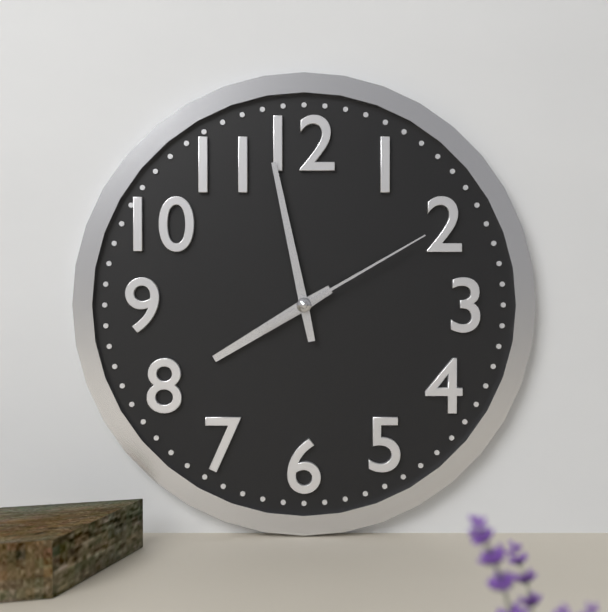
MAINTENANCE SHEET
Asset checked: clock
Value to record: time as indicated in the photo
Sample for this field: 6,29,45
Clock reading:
7,58,10
